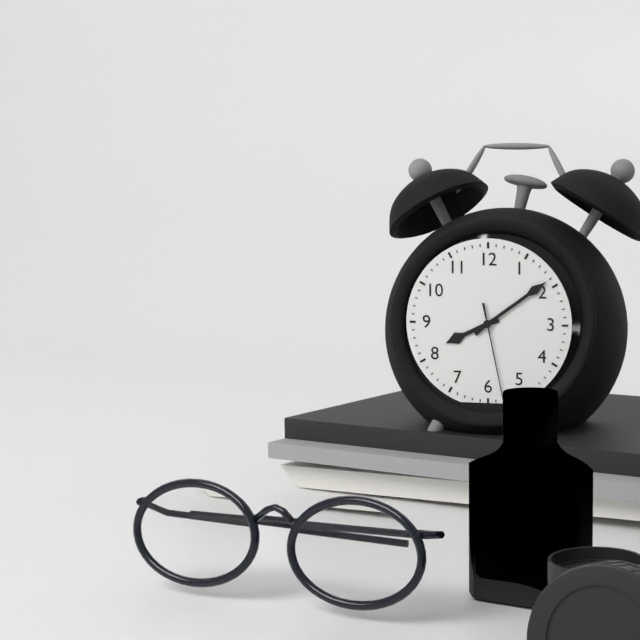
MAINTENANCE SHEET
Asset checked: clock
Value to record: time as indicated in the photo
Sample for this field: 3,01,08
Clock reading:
8,09,28
